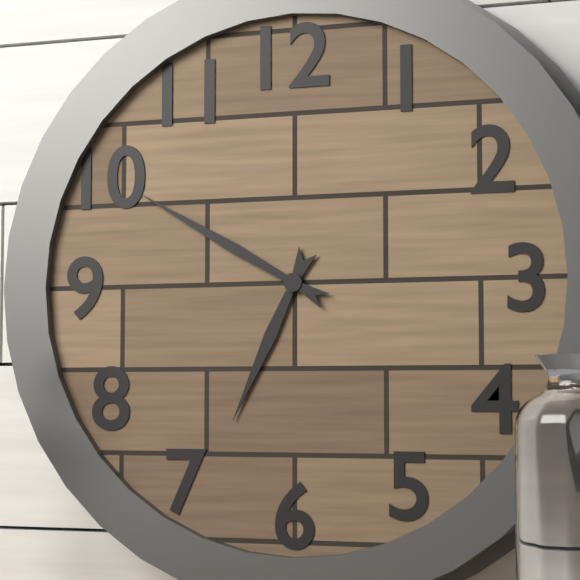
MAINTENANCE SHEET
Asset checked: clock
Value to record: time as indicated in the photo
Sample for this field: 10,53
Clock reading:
6,50
